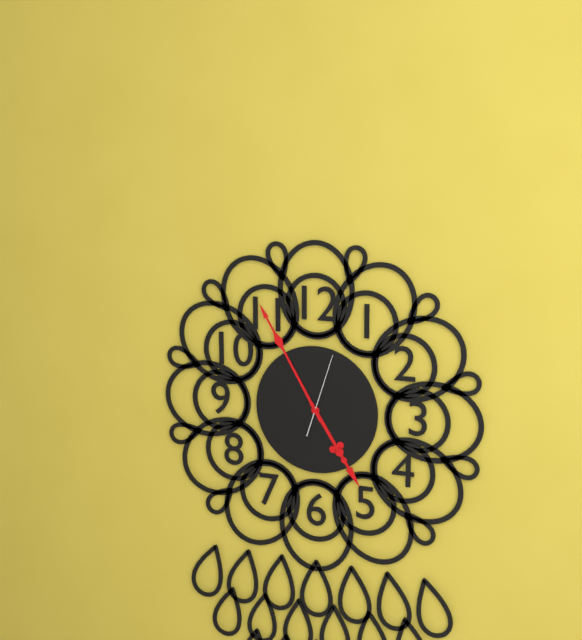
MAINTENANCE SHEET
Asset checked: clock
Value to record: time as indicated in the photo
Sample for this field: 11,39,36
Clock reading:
4,55,03
